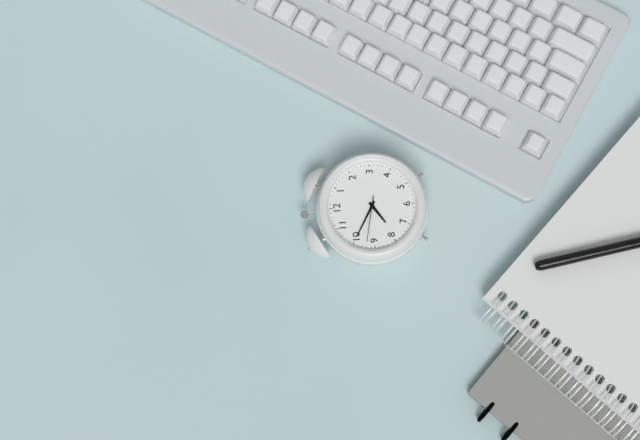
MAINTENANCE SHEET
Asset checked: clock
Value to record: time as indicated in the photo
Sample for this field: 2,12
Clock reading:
7,50
